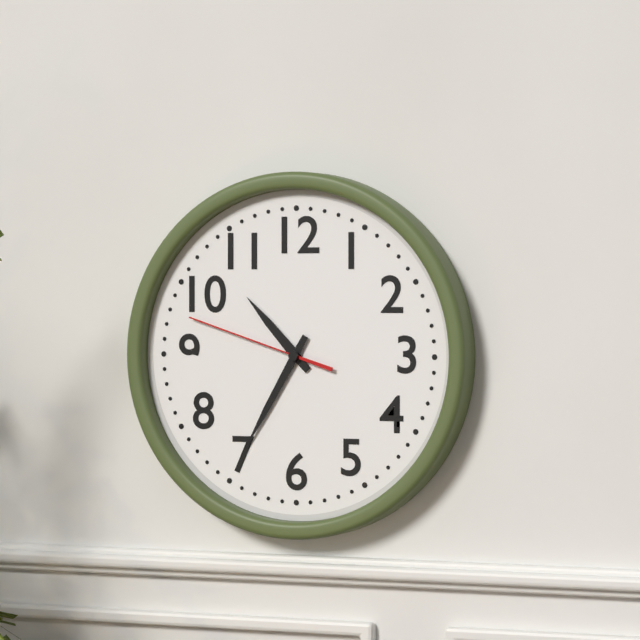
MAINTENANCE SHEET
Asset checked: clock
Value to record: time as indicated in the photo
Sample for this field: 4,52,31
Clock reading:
10,35,48
